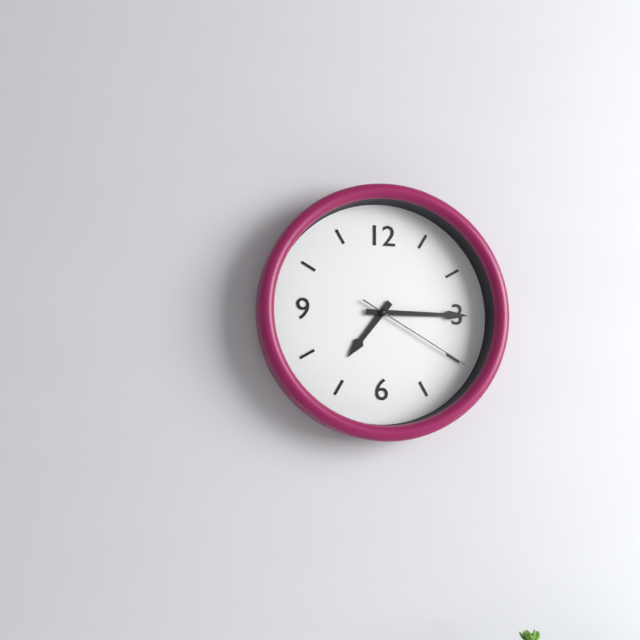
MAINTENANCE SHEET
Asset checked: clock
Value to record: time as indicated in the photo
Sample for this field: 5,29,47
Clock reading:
7,15,20
